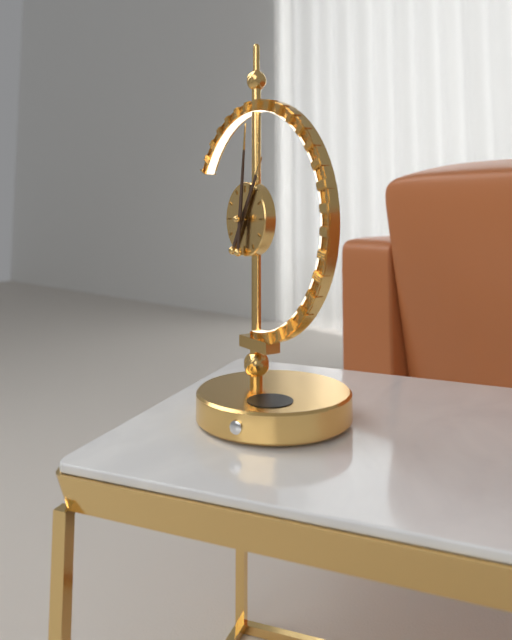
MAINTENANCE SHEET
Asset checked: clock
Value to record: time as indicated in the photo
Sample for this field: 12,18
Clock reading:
1,01
